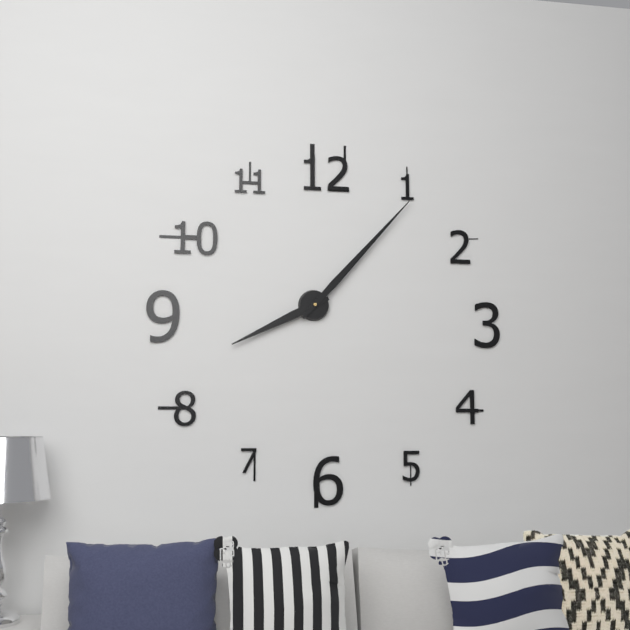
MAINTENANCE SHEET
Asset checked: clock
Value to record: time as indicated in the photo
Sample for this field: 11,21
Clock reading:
8,07
